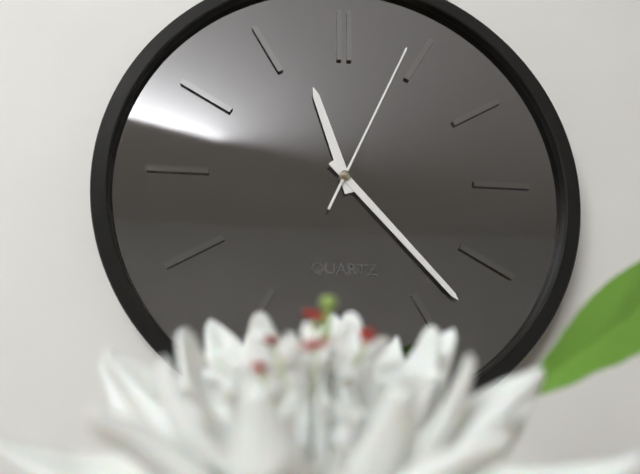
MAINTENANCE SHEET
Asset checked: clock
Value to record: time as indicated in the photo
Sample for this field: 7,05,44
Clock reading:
11,23,04
